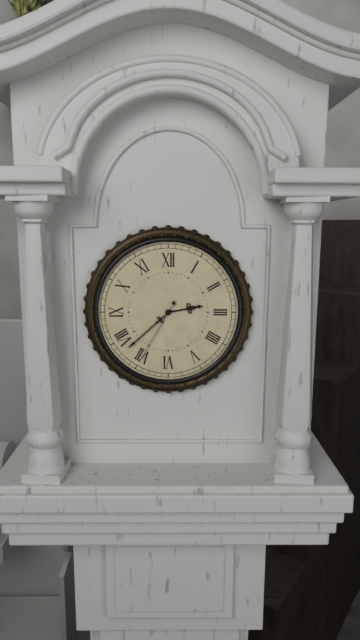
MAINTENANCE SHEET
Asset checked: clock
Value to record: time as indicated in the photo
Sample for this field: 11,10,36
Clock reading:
2,38,35
